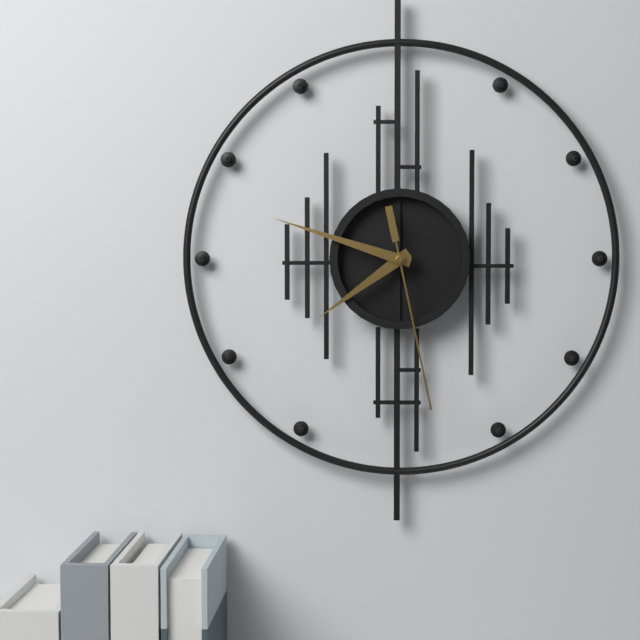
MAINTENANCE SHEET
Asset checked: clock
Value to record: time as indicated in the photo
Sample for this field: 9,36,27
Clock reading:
7,48,28
